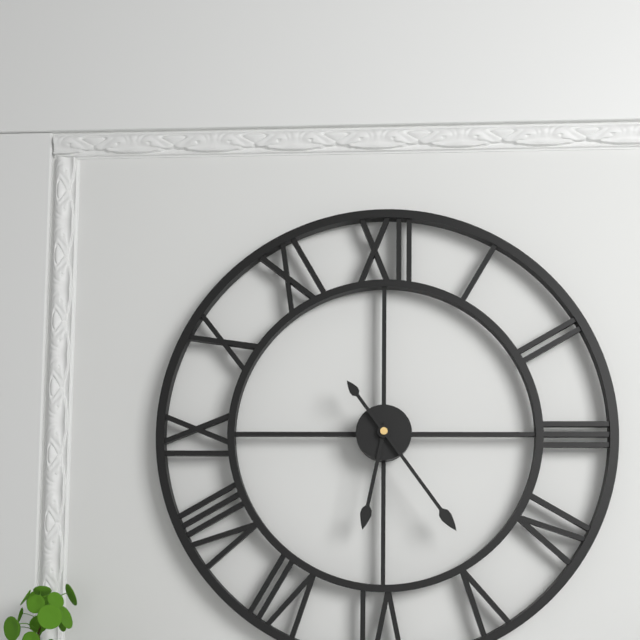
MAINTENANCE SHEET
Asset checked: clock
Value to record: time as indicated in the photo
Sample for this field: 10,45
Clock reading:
6,24
